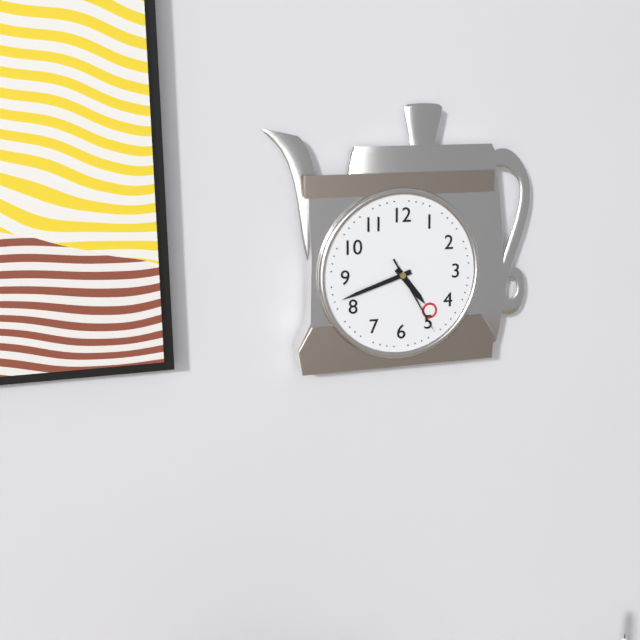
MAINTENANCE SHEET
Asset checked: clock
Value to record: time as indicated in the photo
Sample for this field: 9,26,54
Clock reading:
4,42,25
